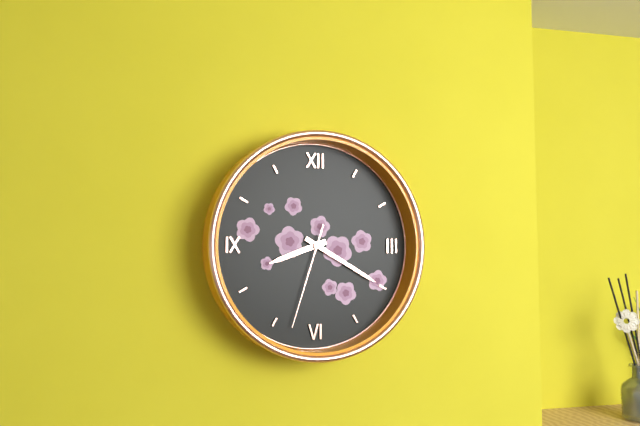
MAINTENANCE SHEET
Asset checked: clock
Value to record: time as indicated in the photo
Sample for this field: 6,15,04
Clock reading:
8,20,33
